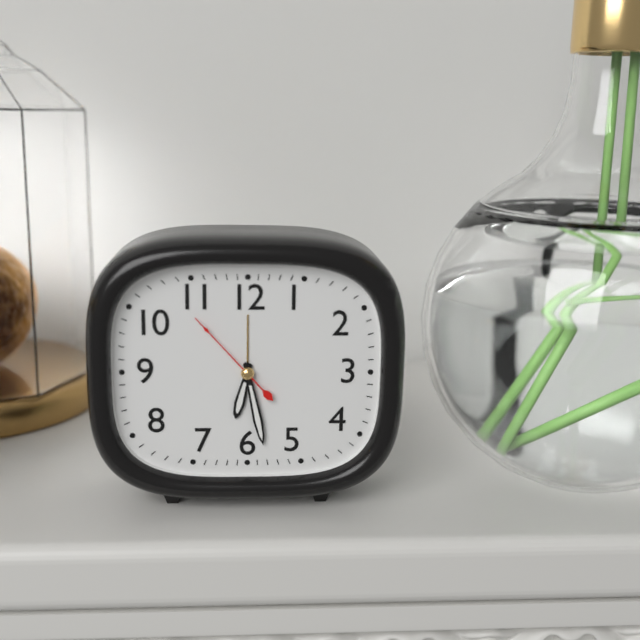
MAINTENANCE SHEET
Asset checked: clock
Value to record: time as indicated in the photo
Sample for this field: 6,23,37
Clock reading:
6,28,53
